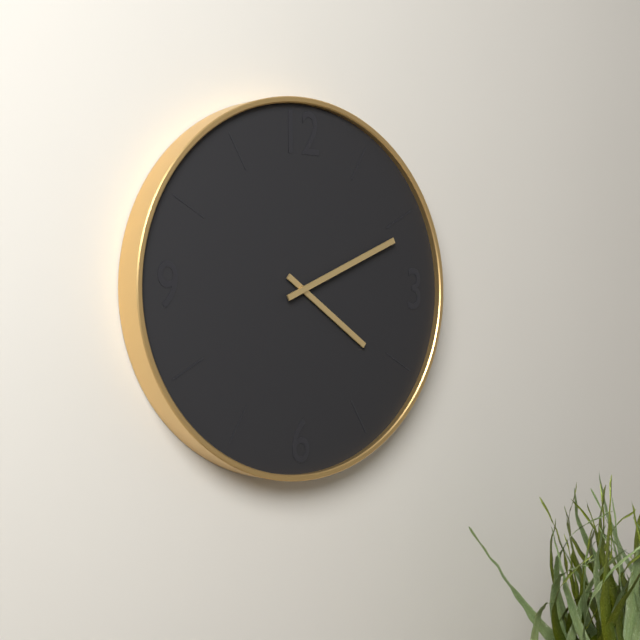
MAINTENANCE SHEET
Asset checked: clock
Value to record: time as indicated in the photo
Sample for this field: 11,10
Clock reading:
4,11
